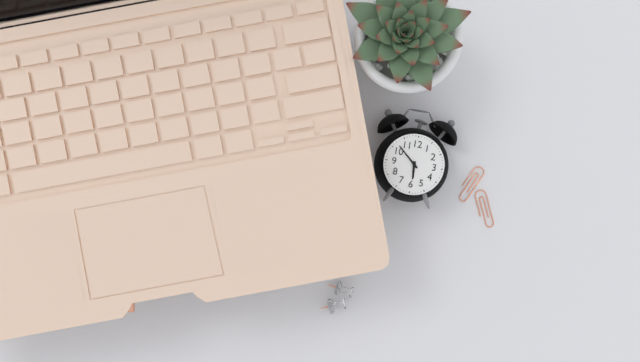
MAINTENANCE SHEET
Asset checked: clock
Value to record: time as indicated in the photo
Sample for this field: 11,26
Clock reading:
5,52
